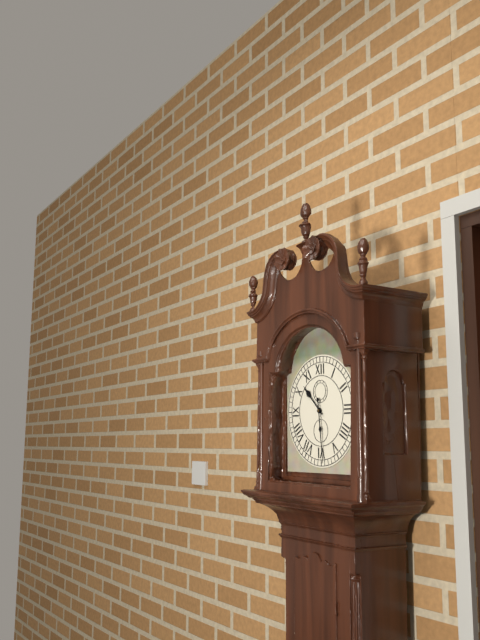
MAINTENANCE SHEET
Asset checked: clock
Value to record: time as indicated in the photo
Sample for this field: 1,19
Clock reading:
10,29
